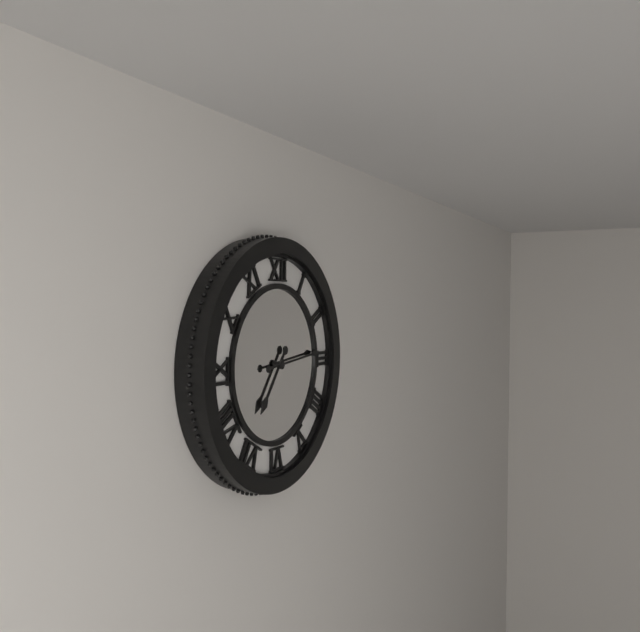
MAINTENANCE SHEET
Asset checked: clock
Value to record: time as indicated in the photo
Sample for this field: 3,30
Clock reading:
7,14
